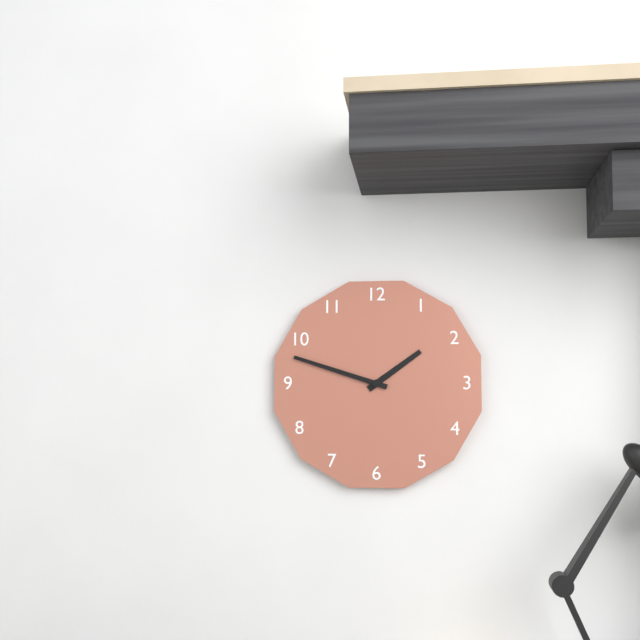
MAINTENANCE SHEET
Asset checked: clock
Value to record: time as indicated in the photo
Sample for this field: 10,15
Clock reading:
1,48
